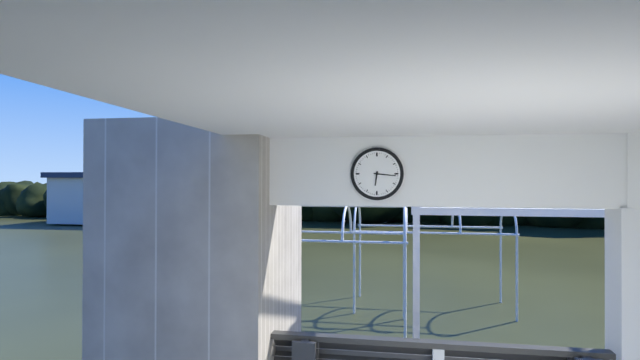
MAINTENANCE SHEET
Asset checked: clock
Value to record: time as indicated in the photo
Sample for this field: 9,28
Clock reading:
6,16
